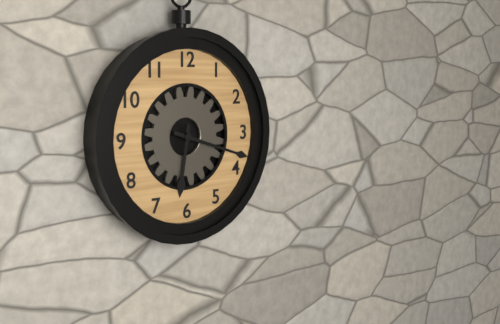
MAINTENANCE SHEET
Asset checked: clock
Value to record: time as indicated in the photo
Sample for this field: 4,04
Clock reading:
6,18
